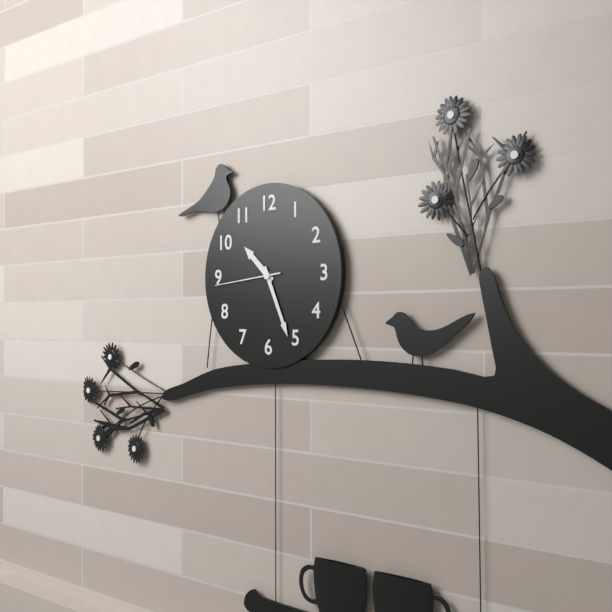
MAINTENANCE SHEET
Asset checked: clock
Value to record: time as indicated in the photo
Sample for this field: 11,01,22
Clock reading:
10,26,44
